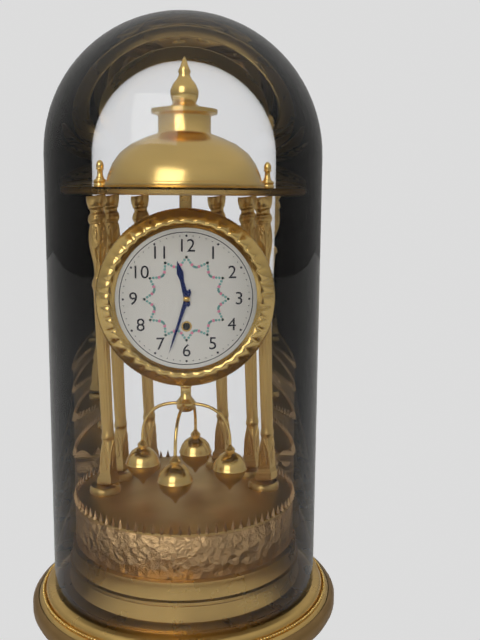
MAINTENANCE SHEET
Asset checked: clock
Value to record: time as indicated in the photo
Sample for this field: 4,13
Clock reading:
11,33
